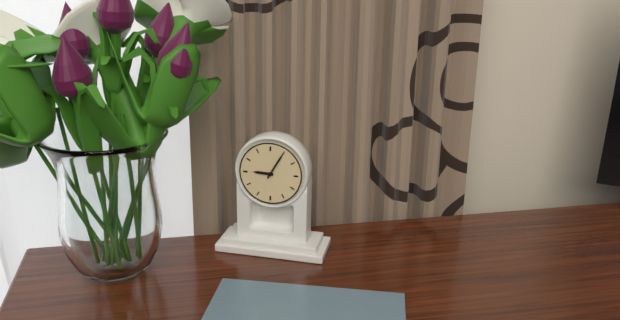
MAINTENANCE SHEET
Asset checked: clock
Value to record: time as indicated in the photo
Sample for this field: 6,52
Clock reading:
9,05
